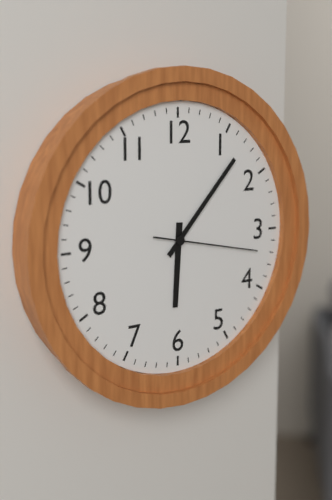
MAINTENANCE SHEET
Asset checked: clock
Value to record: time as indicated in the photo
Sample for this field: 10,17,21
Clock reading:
6,07,17
